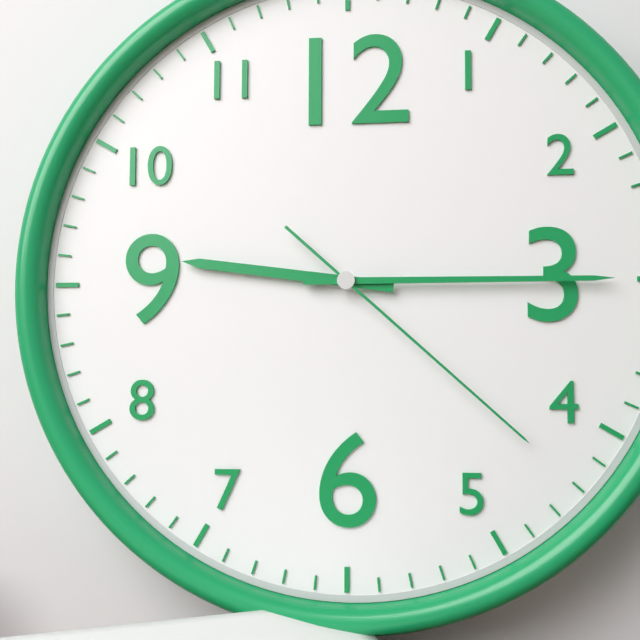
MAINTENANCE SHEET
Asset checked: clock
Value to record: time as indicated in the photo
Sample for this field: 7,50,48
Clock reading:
9,15,22
